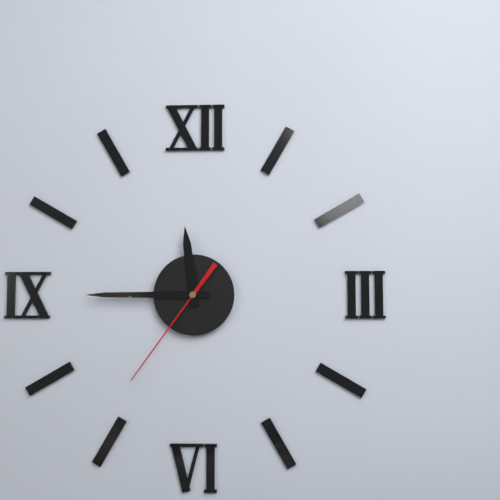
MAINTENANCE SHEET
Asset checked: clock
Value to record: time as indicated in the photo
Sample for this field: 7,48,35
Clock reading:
11,45,36
